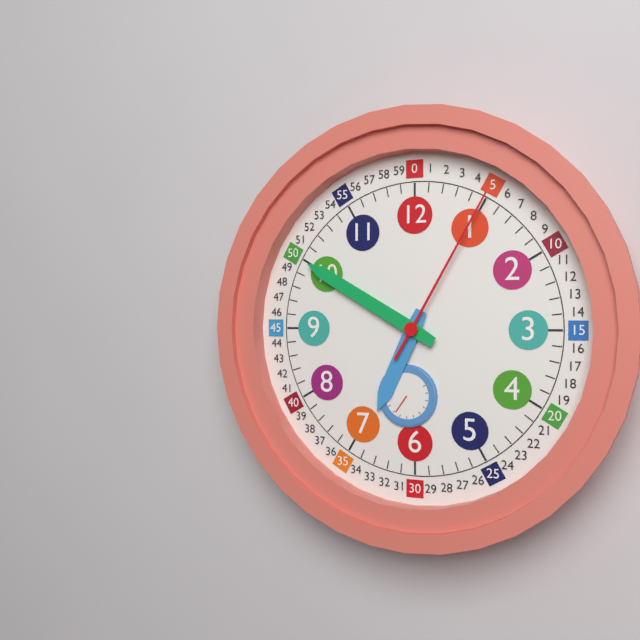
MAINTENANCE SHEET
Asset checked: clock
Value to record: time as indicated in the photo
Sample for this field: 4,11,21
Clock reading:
6,50,05
